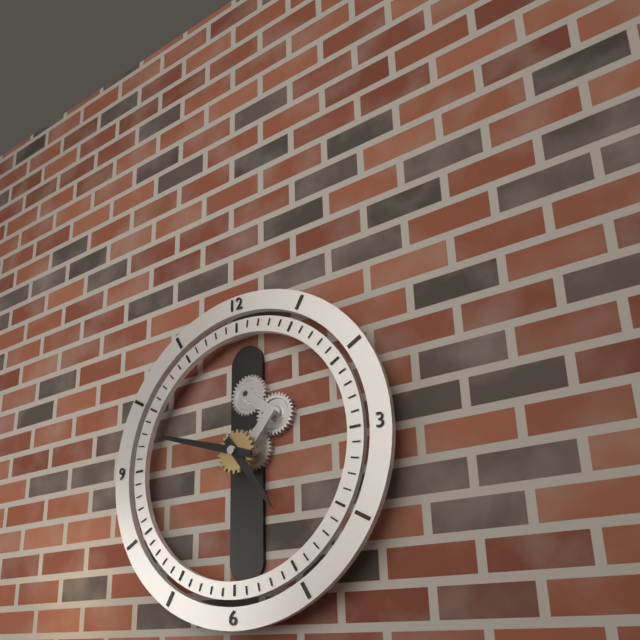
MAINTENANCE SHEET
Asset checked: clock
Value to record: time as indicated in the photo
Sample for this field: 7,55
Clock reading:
4,48
